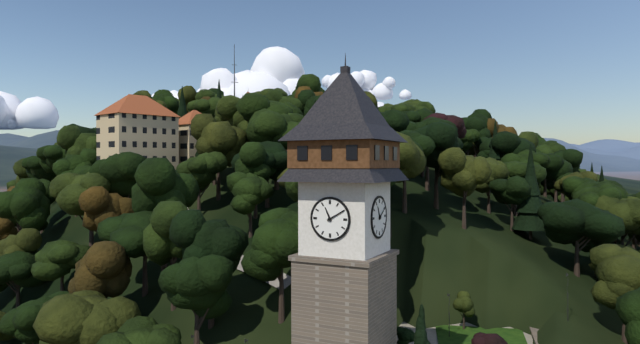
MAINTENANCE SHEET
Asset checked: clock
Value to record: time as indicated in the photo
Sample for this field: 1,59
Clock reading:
11,10
